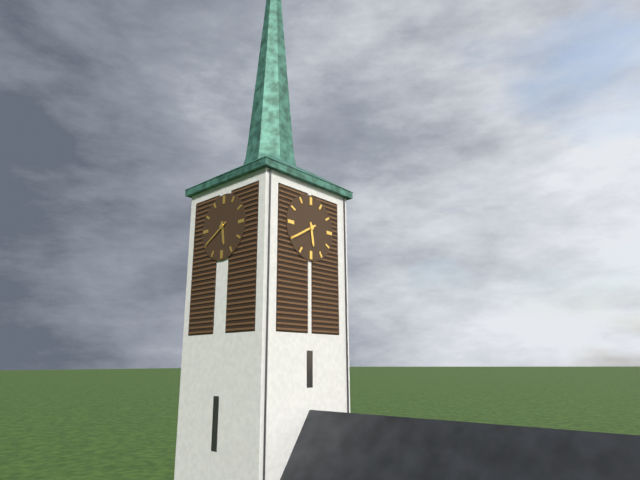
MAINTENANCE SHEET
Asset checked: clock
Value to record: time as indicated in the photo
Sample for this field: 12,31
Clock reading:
5,40
